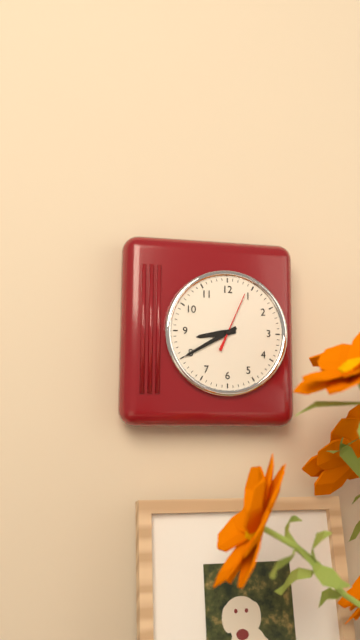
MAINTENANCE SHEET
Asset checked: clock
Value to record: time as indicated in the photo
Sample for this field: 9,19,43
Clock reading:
8,40,04
